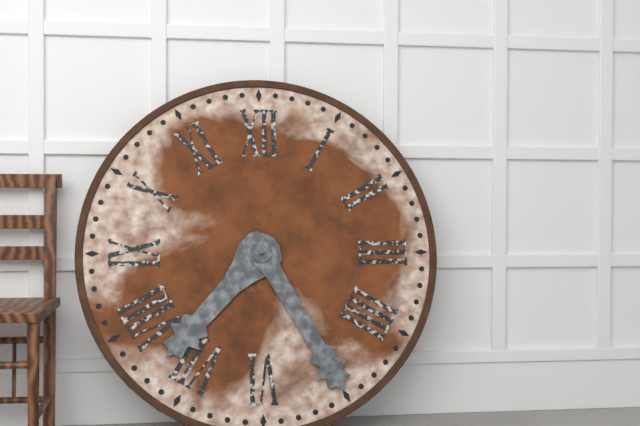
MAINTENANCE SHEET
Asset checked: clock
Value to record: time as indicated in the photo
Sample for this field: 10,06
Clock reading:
7,25
